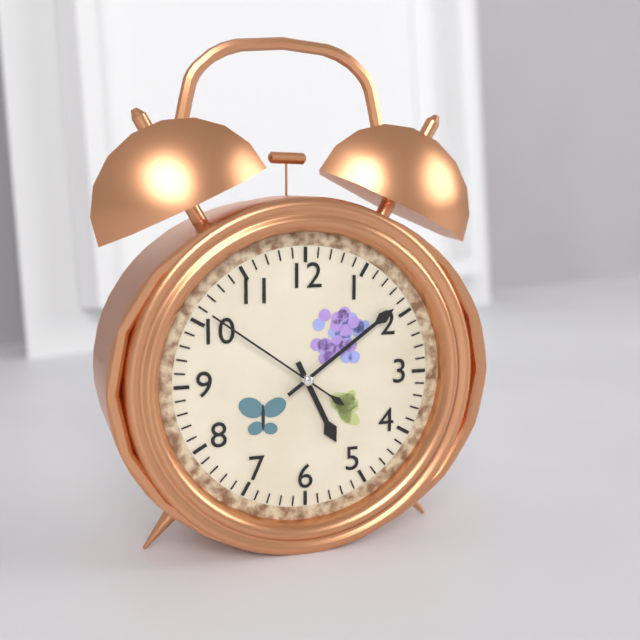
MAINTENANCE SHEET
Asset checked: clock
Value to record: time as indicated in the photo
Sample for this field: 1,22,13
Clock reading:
5,09,51
